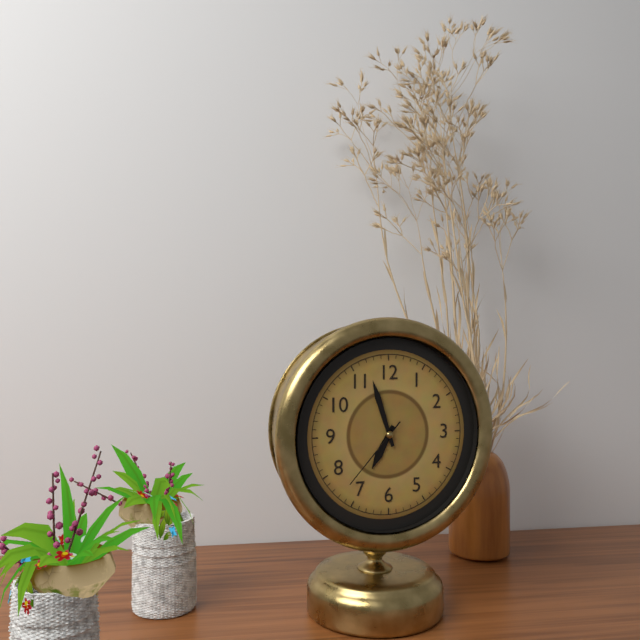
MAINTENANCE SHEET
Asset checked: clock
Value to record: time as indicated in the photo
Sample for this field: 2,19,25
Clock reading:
6,57,37
